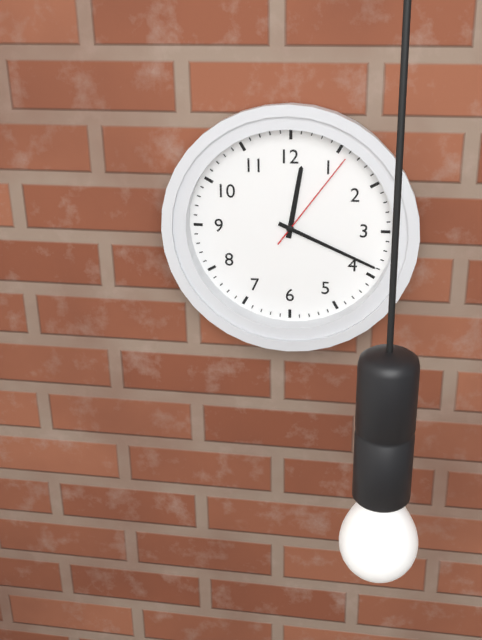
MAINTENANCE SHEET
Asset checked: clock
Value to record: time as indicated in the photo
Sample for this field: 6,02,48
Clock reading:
12,19,06
